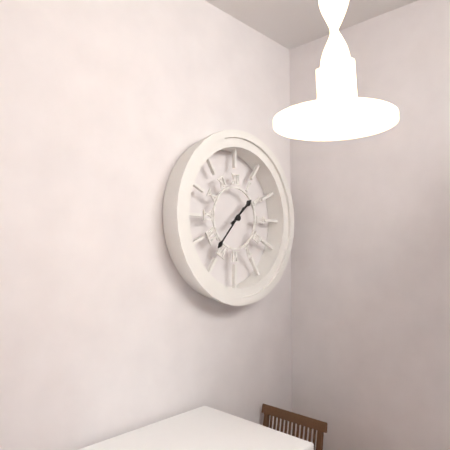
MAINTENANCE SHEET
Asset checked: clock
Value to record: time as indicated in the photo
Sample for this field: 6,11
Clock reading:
1,37
